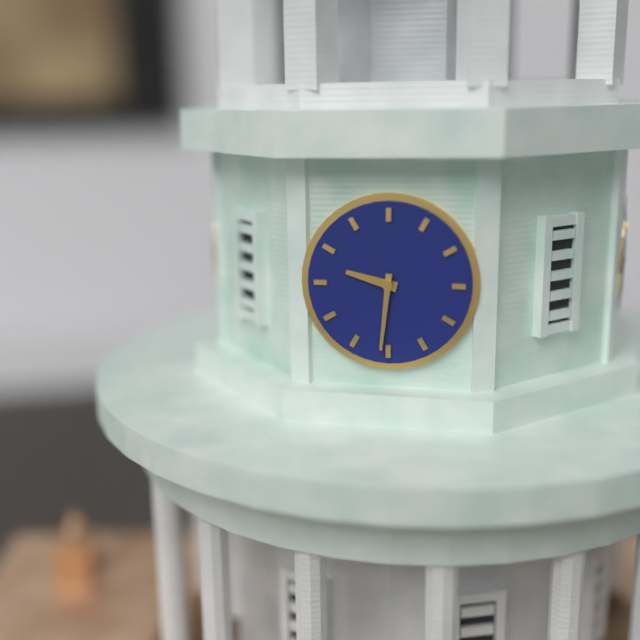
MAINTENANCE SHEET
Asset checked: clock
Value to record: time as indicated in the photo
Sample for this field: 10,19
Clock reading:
9,31
